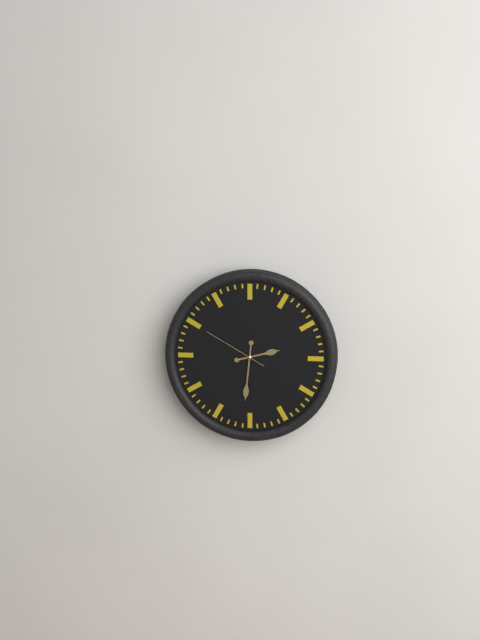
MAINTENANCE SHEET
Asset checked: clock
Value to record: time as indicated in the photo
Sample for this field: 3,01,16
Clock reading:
2,31,50
